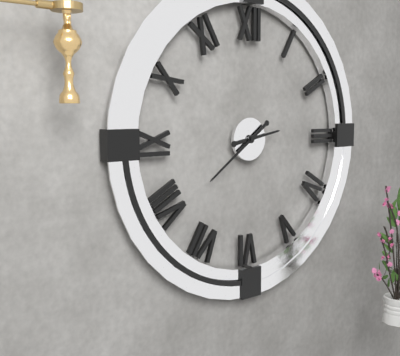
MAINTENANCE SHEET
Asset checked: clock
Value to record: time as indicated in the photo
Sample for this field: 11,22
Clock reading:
2,39
